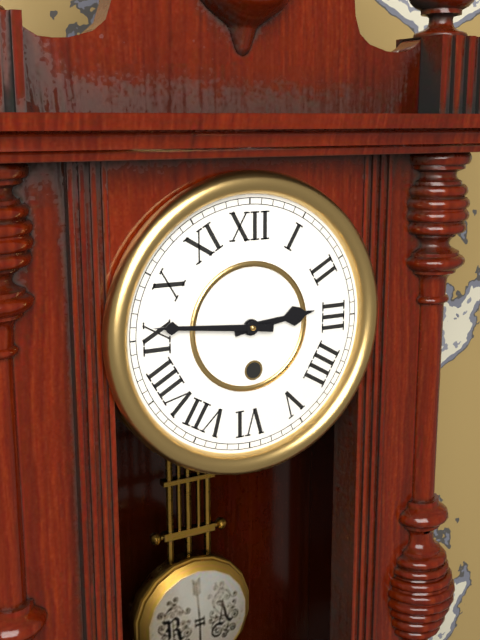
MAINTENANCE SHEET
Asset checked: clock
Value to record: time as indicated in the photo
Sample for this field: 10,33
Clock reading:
2,46
